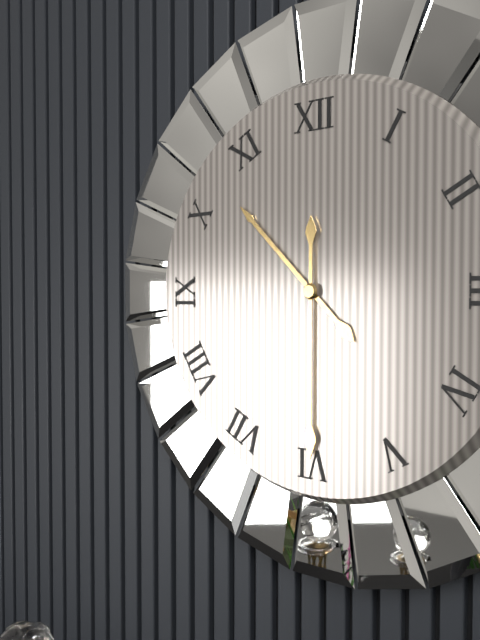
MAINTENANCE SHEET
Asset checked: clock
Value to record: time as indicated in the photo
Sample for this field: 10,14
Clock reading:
10,30
